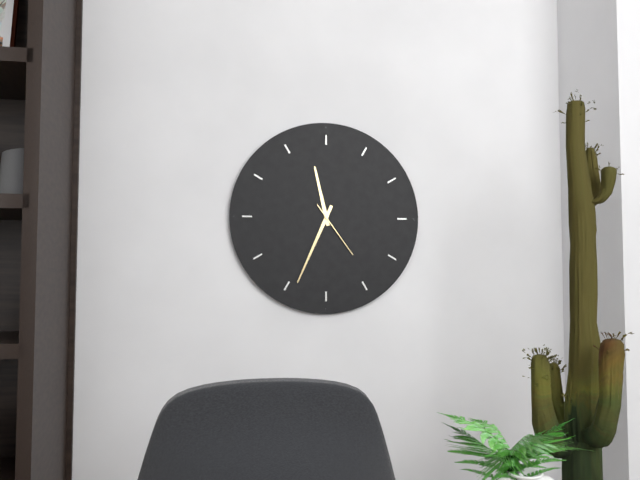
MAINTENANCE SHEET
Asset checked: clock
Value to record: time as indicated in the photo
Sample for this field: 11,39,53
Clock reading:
11,34,24
